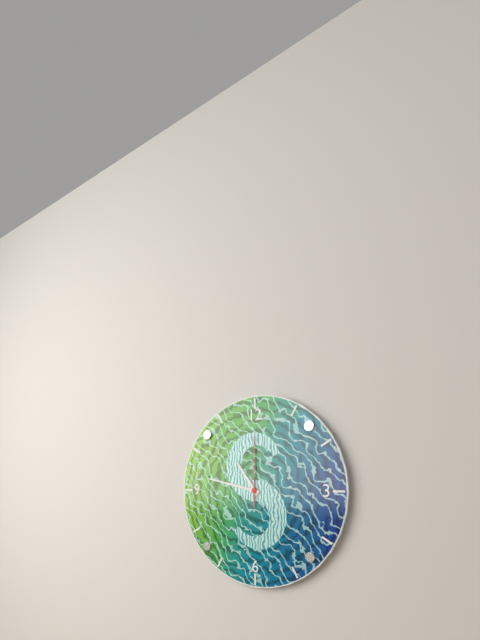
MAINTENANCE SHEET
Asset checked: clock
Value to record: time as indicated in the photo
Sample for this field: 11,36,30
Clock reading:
10,47,00
